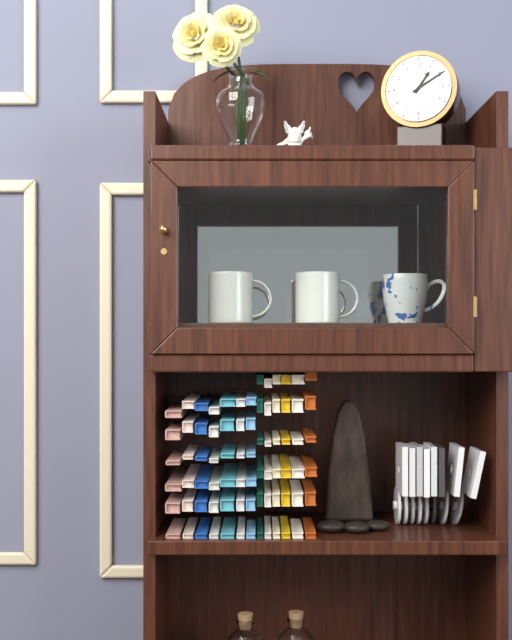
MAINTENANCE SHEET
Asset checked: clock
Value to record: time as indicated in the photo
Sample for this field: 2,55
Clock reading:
1,10
